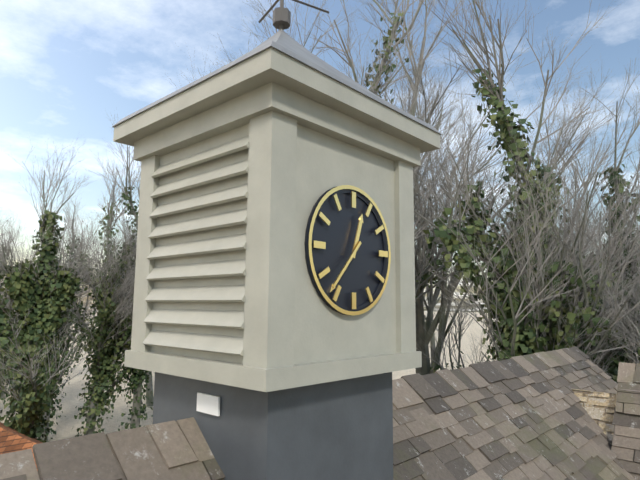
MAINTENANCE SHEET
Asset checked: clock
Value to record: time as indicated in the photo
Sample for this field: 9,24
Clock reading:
12,37
